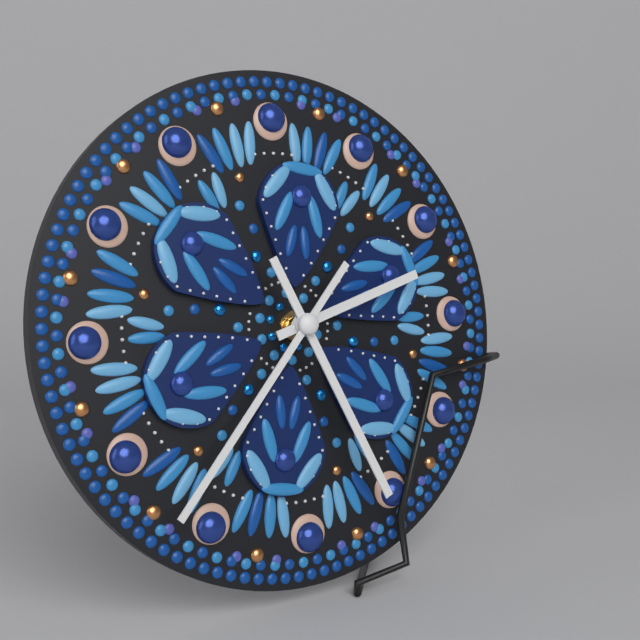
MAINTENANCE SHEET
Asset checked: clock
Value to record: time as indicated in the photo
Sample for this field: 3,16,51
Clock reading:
2,26,37
